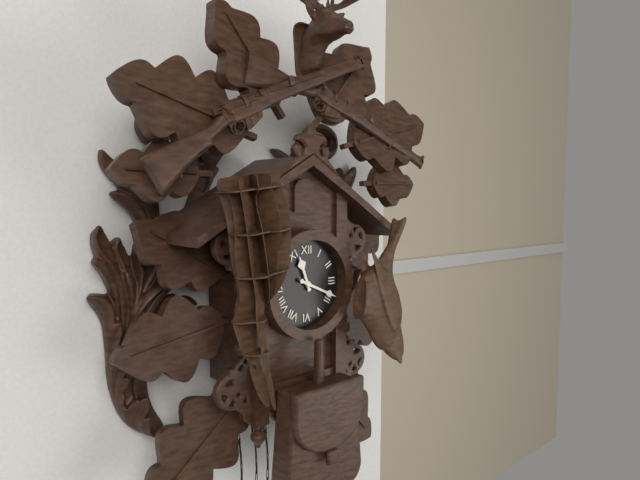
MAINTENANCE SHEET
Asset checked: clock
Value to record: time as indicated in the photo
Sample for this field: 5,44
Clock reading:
11,19
